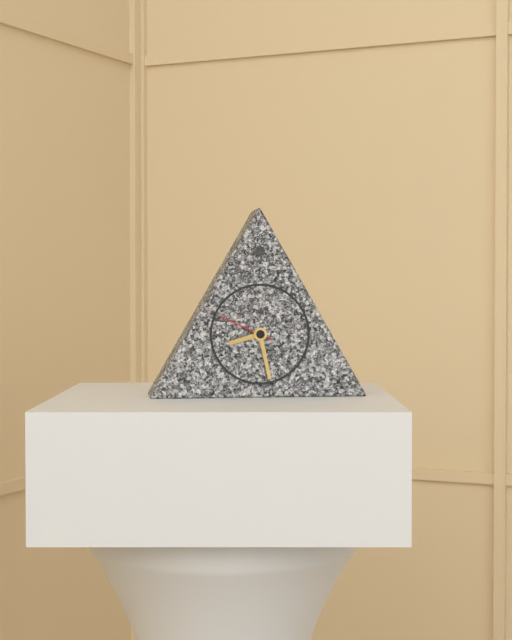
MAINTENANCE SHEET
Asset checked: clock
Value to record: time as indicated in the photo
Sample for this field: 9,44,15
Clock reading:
8,28,49
